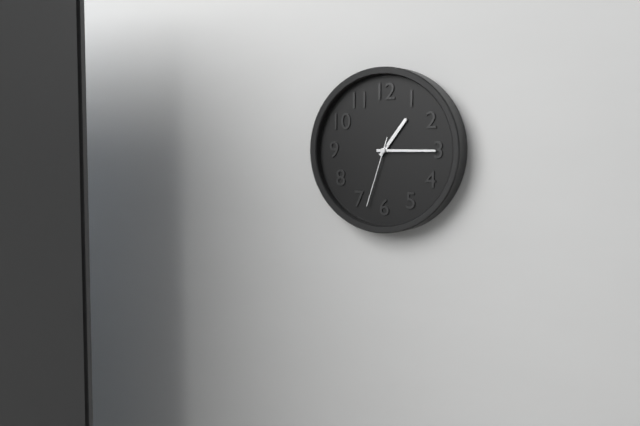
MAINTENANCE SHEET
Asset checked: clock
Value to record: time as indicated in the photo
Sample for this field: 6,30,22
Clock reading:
1,15,33
